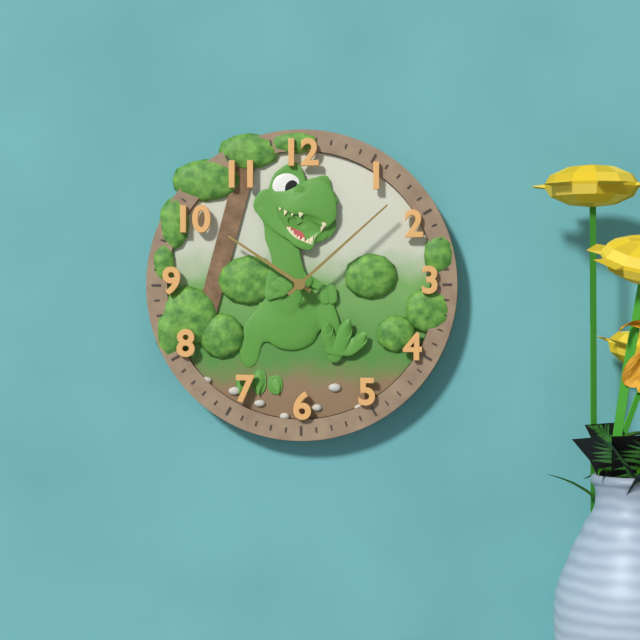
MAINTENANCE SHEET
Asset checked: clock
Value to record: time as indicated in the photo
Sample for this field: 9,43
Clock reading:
10,08
